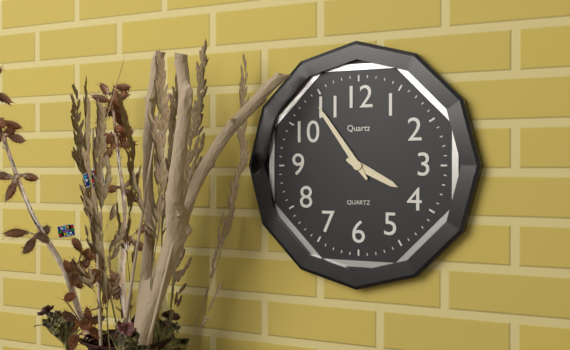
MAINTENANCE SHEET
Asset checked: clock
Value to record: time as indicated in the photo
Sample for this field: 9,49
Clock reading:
3,54
